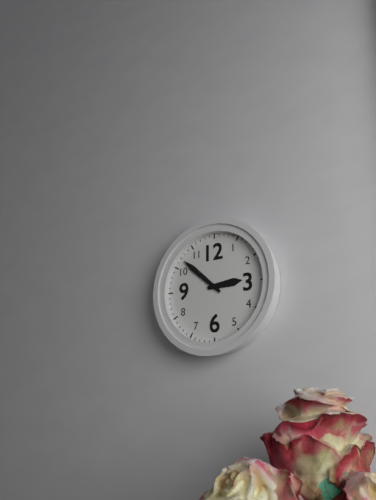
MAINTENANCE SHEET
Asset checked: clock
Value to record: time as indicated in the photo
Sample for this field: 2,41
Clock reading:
2,52
